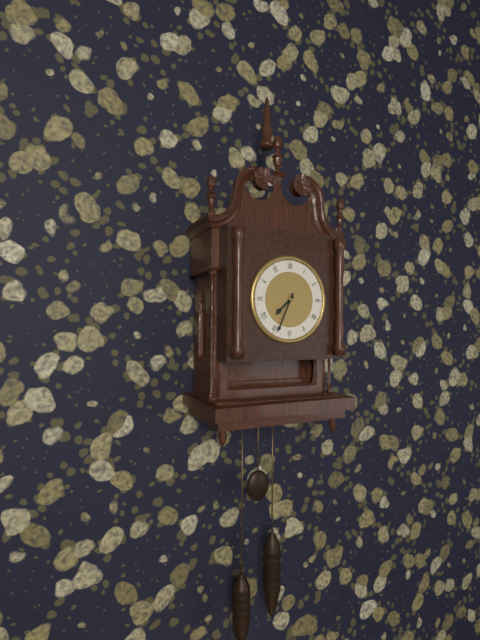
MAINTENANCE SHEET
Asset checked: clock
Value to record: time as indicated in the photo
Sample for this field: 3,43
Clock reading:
7,34
